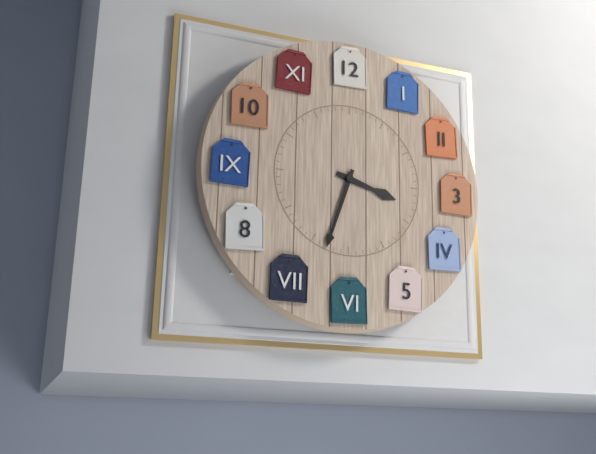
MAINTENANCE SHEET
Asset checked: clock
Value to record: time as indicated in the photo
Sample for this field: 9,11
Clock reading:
3,33
